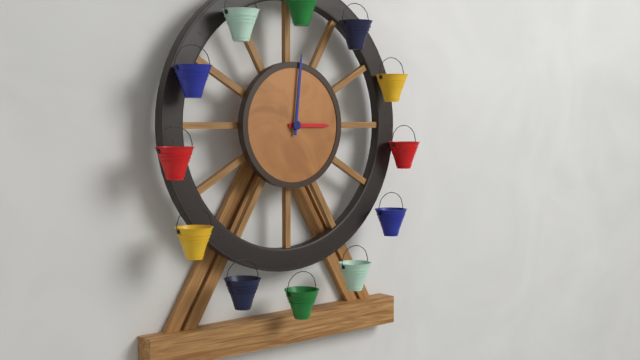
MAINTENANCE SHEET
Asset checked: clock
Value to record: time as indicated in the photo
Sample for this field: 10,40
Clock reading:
3,01
